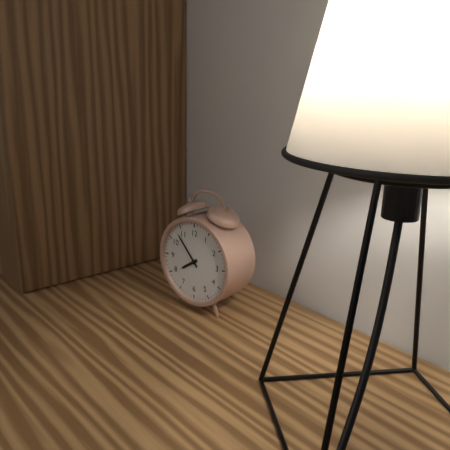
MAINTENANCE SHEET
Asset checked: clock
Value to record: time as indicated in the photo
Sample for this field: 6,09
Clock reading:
7,53
